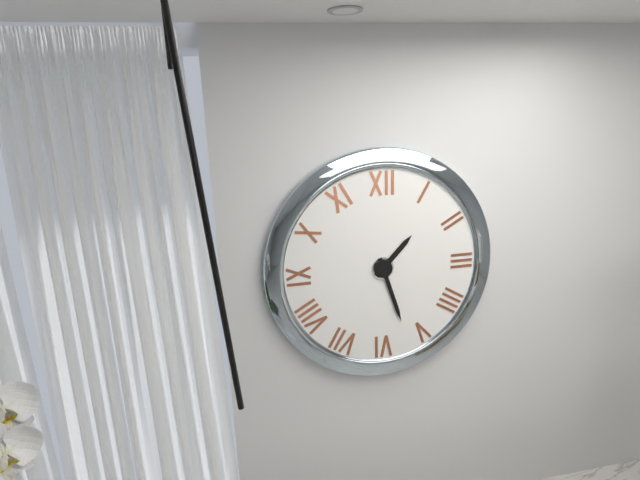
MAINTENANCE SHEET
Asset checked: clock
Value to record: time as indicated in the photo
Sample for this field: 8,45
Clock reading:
1,27
